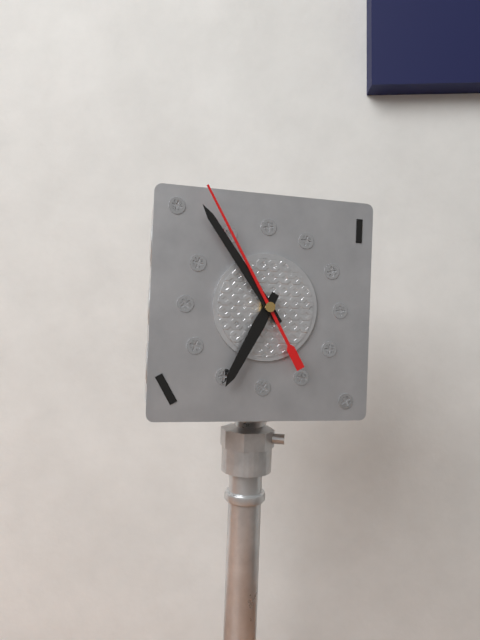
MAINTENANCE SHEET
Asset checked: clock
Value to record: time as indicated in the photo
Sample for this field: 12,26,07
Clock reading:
6,54,55
